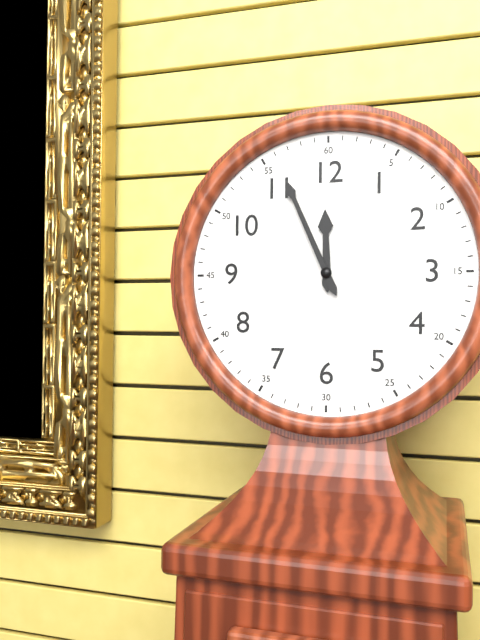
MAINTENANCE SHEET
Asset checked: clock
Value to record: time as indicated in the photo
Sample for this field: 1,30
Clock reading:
11,56
